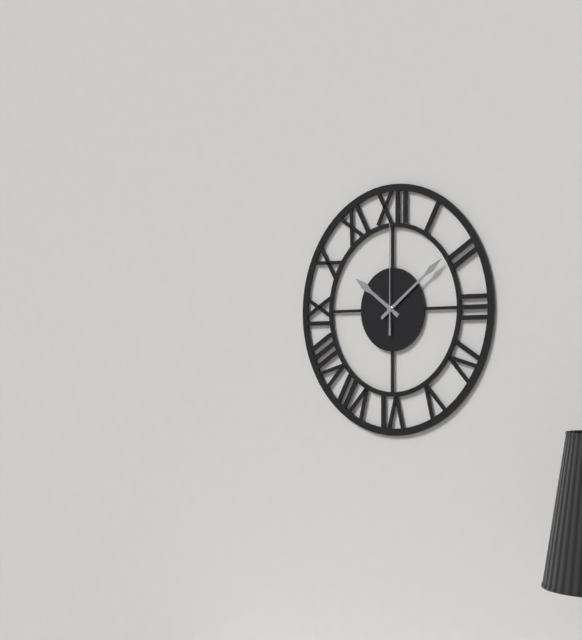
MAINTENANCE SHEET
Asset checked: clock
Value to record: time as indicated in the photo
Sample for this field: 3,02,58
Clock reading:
10,09,00
